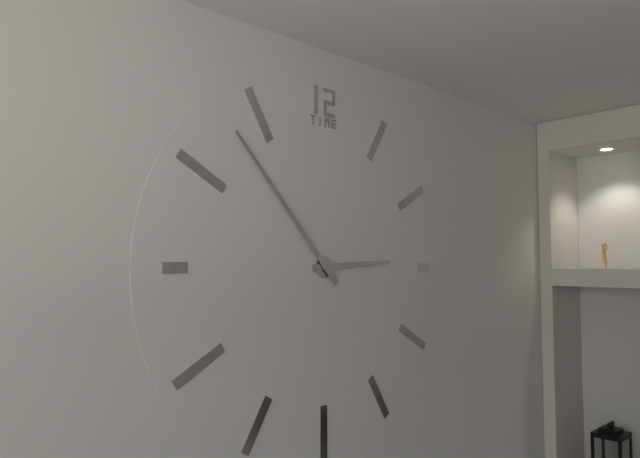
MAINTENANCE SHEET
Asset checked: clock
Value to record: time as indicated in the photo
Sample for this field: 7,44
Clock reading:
2,53
